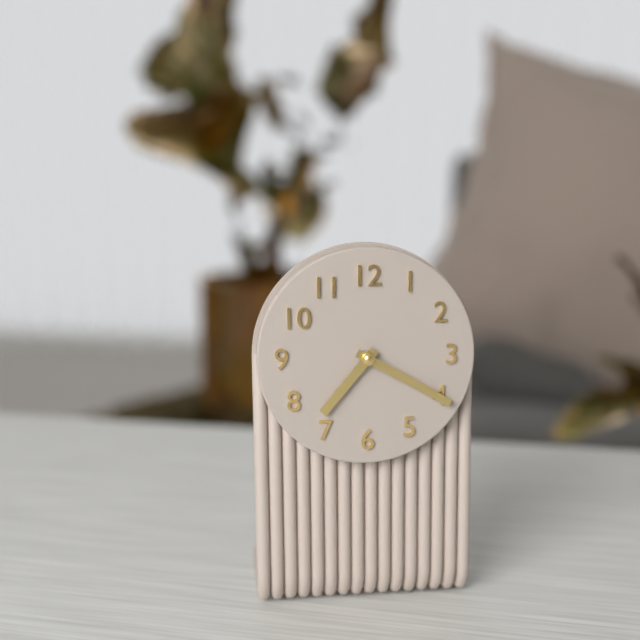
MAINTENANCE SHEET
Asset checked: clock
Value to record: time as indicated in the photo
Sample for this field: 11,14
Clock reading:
7,20
